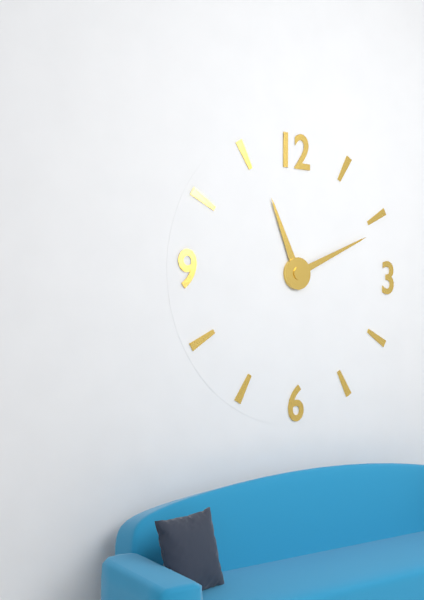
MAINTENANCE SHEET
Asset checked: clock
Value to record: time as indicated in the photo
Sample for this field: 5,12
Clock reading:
11,11
